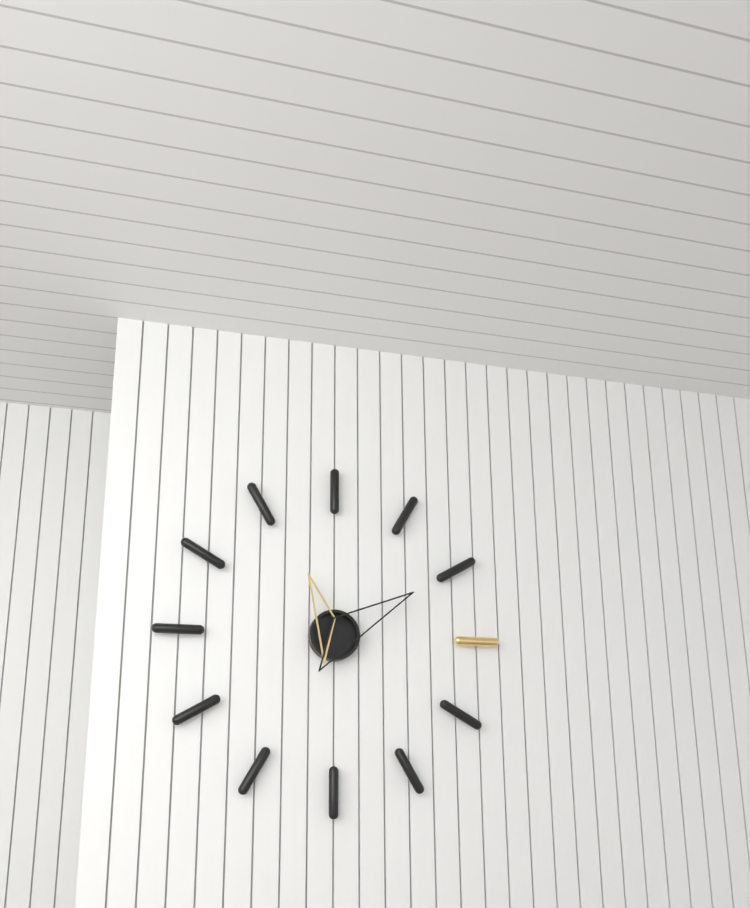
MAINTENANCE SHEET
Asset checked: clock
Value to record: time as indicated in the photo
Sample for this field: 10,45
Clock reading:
11,10
